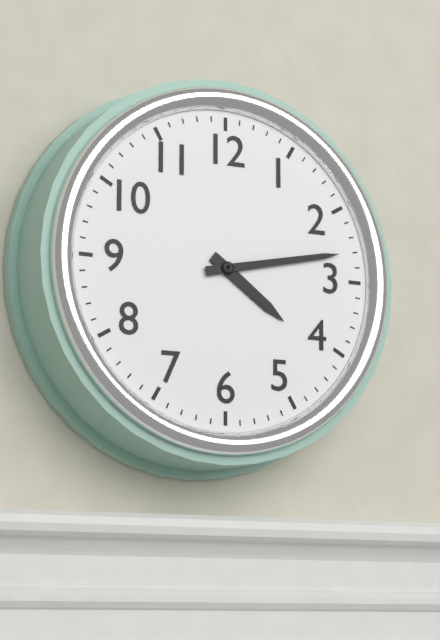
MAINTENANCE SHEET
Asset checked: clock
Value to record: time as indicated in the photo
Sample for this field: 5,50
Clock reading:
4,13
